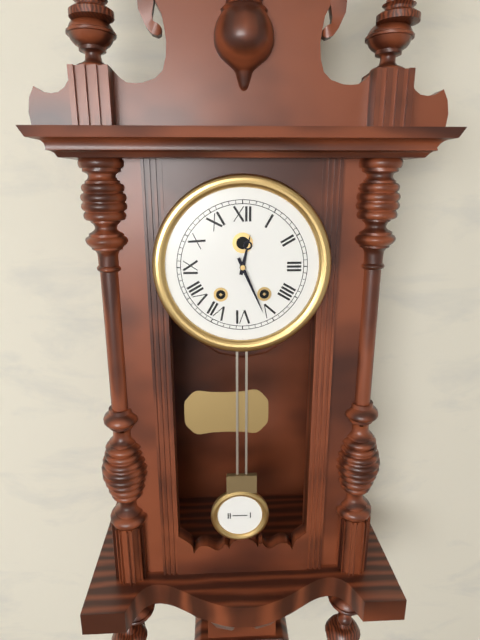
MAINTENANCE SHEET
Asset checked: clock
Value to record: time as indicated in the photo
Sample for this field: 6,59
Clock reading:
12,26
